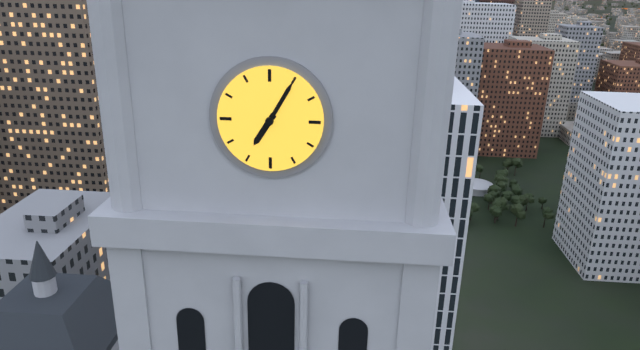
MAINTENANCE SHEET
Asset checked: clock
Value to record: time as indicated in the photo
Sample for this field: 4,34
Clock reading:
7,05
